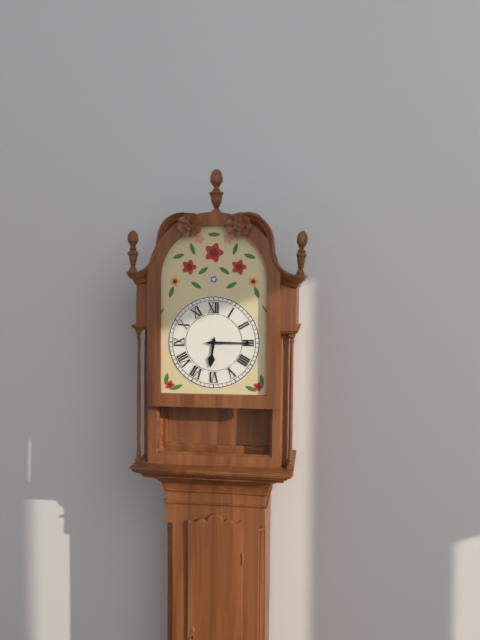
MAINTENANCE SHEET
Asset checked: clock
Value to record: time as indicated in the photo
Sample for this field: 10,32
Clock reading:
6,15
